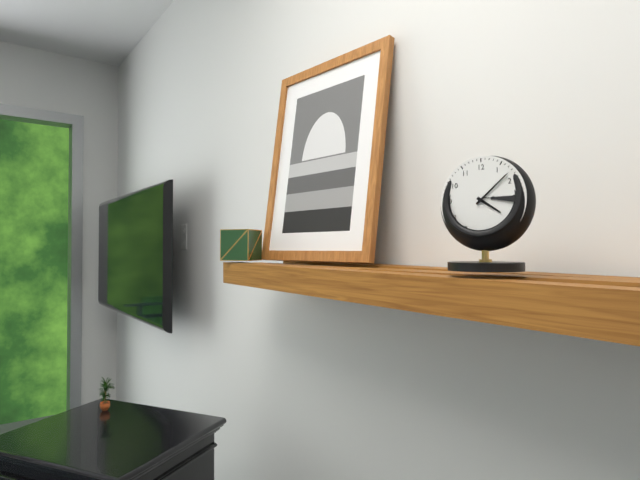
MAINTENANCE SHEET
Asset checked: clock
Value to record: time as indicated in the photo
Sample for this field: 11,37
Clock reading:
4,08
